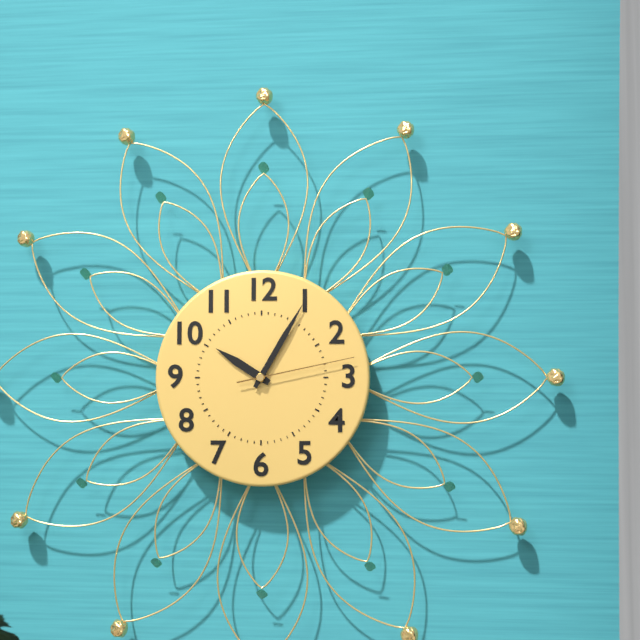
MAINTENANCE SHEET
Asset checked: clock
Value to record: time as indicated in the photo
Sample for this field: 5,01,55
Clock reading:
10,05,13
